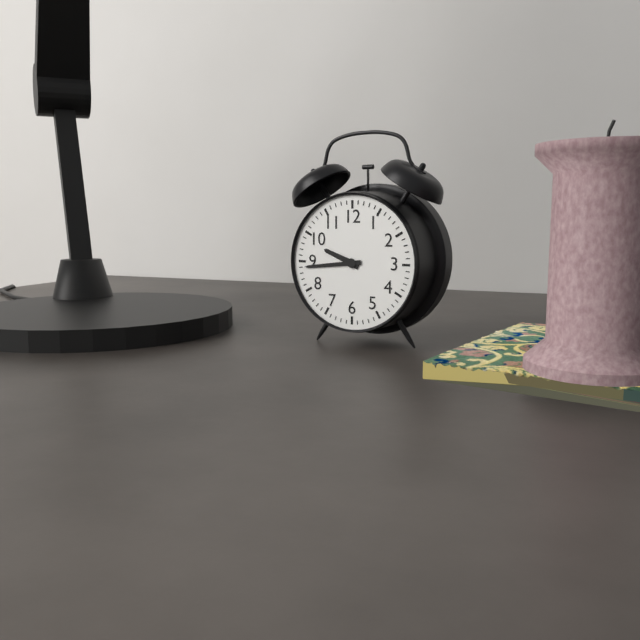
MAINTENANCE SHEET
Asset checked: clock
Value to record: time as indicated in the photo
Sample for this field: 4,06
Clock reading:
9,44
